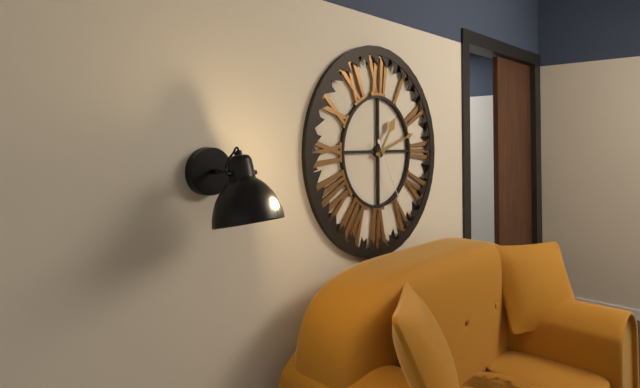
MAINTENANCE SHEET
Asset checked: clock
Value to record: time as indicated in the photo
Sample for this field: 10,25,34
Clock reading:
1,12,25
